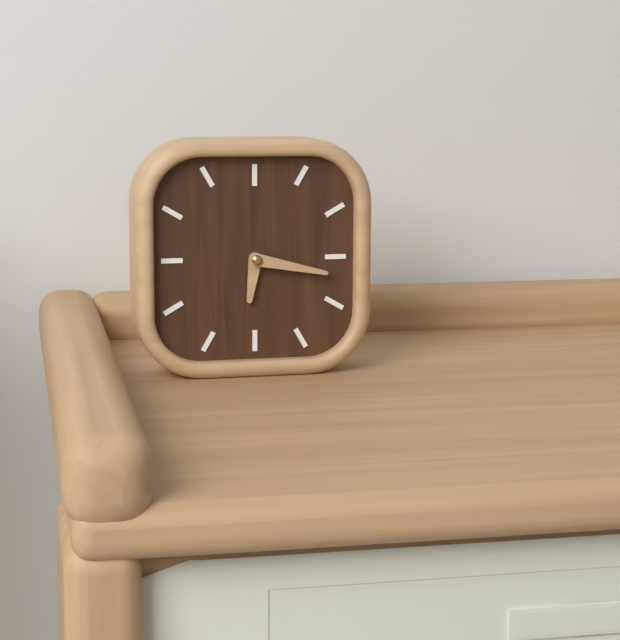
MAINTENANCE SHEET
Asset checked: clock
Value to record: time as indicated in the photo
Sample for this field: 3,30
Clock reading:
6,17
